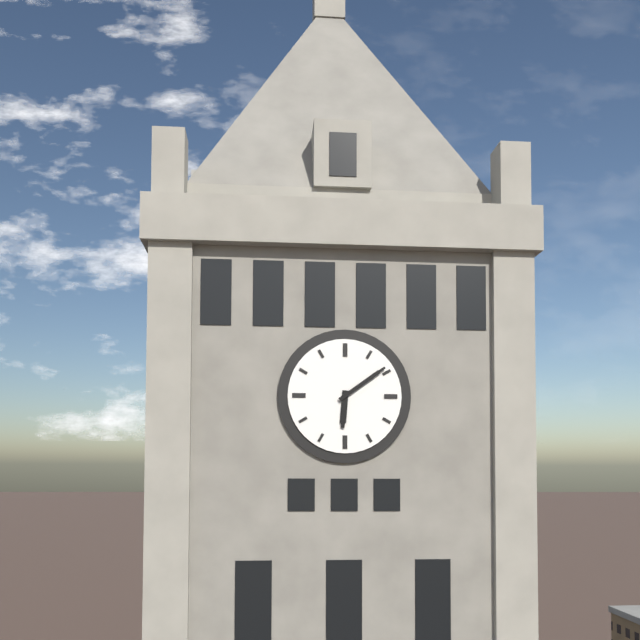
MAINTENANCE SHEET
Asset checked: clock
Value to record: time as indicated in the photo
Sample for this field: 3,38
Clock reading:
6,09
